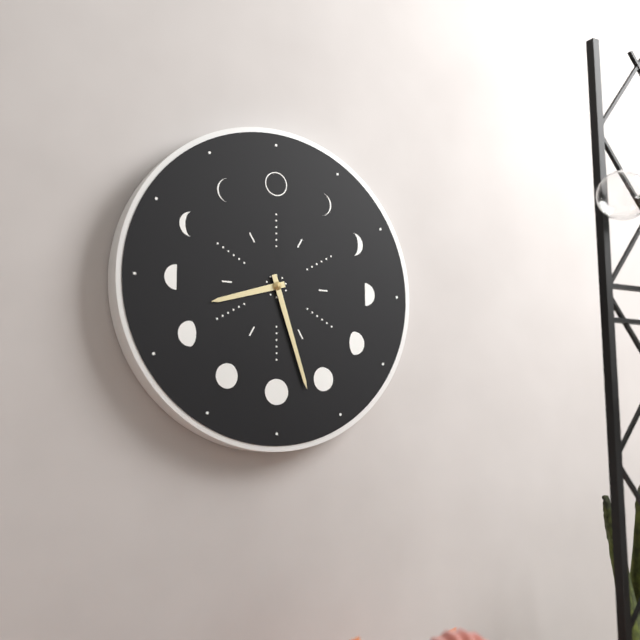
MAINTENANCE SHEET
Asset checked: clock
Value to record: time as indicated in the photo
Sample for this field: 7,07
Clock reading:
8,27
